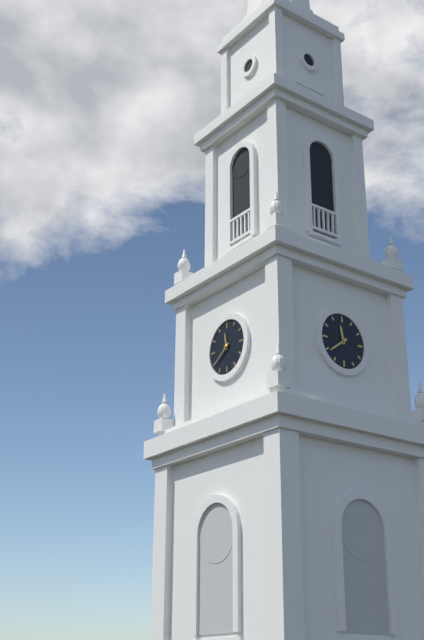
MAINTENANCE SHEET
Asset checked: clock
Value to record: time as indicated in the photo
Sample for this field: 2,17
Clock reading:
11,39
